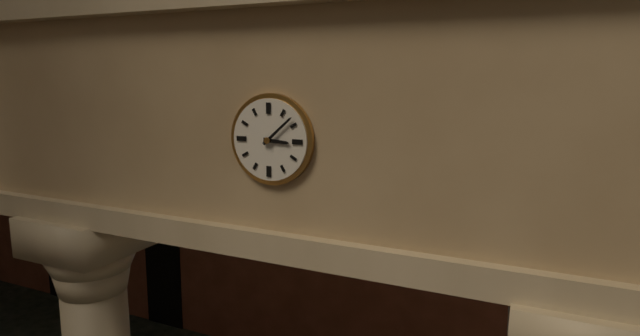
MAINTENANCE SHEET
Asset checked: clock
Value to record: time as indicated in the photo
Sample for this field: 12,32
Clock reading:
3,08
